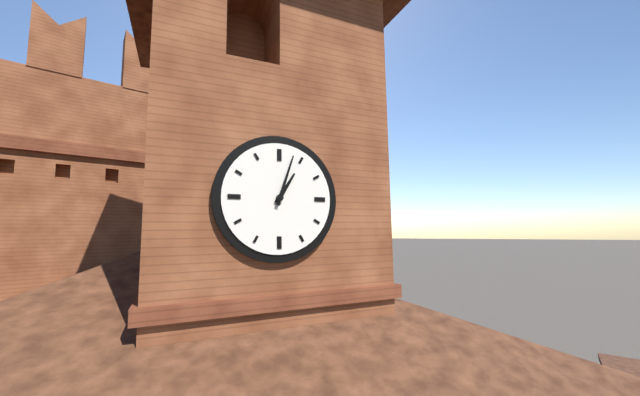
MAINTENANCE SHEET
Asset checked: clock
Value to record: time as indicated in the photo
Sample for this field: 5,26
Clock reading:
1,03
